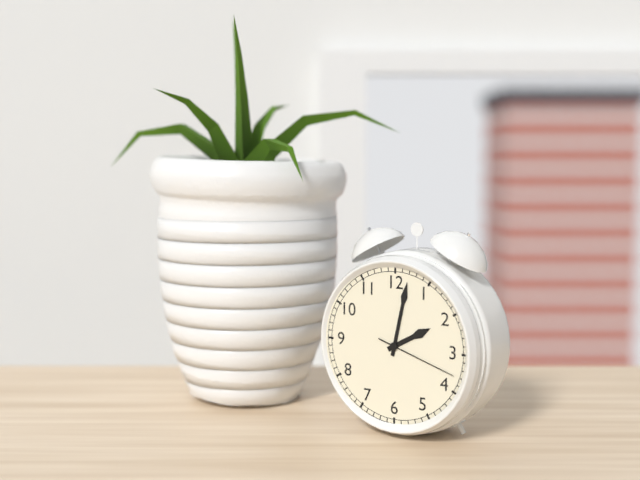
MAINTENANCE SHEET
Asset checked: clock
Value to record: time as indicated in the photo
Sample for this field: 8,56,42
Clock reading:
2,02,18
